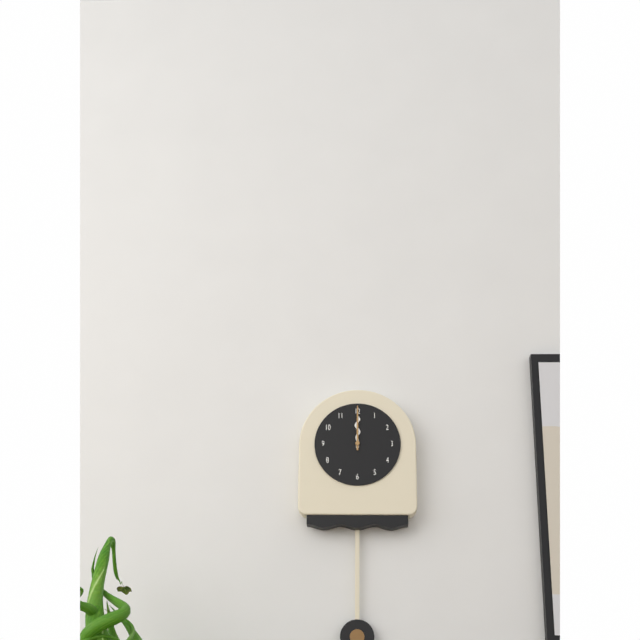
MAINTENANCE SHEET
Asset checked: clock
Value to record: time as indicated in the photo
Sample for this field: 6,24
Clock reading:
12,00
